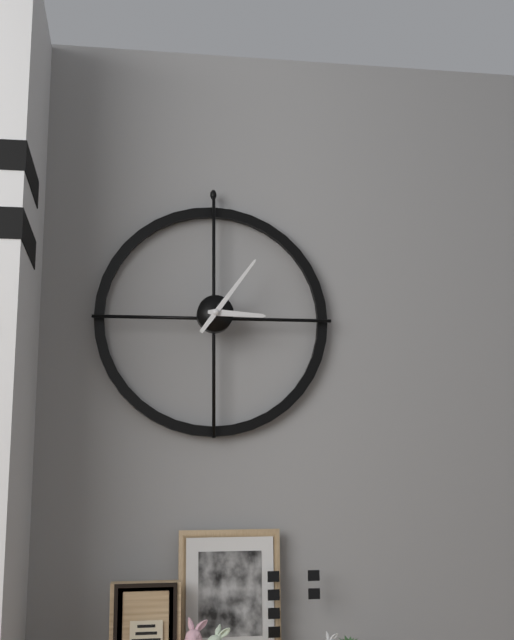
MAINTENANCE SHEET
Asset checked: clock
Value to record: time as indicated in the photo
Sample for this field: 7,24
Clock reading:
3,06
